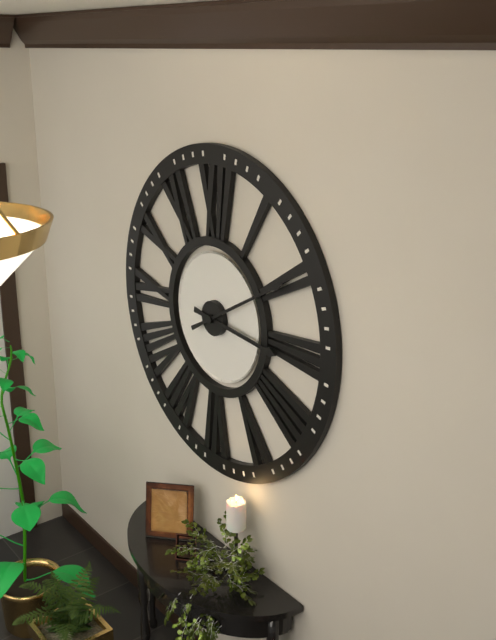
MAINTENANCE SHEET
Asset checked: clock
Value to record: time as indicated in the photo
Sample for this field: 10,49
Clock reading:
3,10
